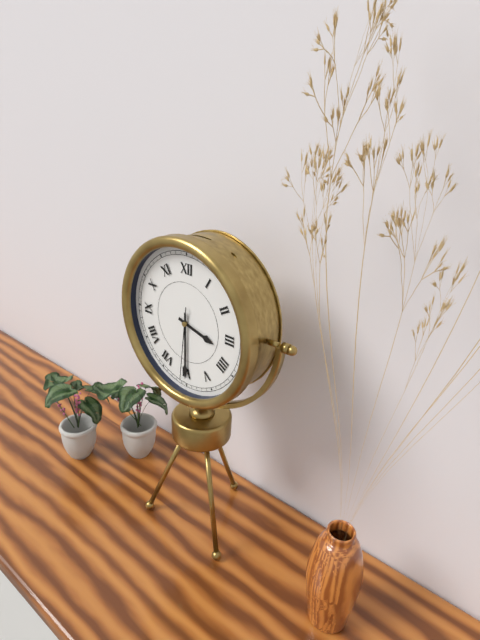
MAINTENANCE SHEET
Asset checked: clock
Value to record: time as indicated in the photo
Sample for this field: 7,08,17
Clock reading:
3,30,31
